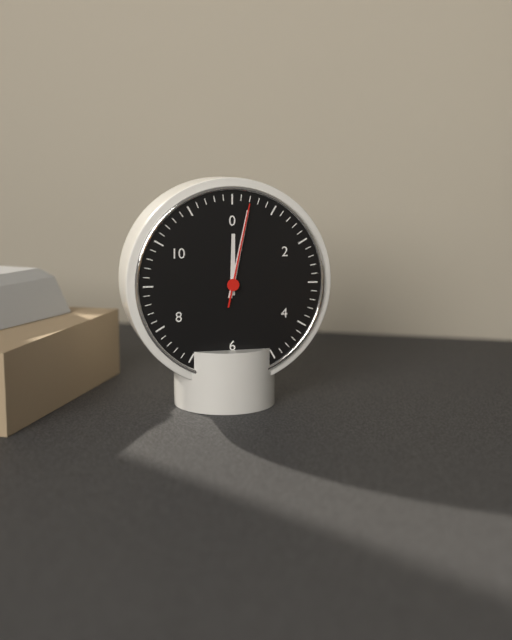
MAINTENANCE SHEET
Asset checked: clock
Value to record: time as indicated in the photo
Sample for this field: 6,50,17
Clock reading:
12,02,02
